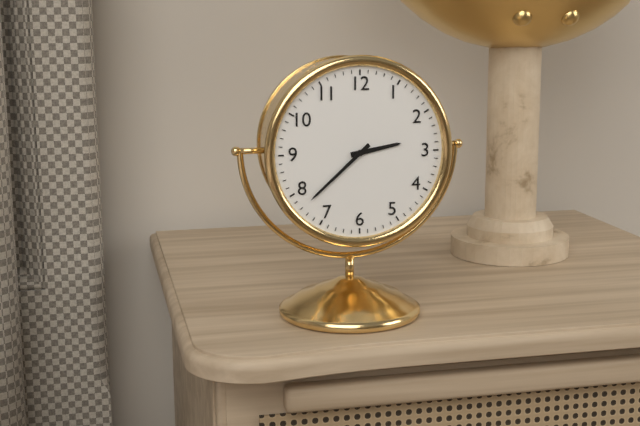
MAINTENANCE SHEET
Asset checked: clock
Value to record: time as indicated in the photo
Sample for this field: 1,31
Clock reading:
2,38
